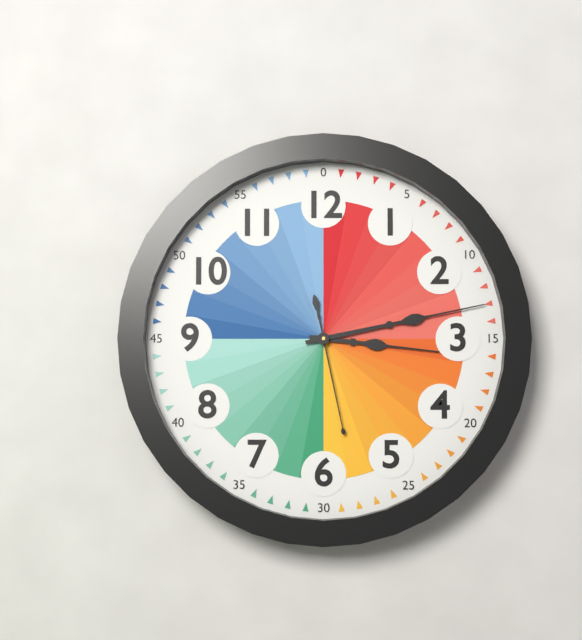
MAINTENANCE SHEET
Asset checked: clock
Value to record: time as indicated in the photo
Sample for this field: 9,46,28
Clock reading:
3,13,28
